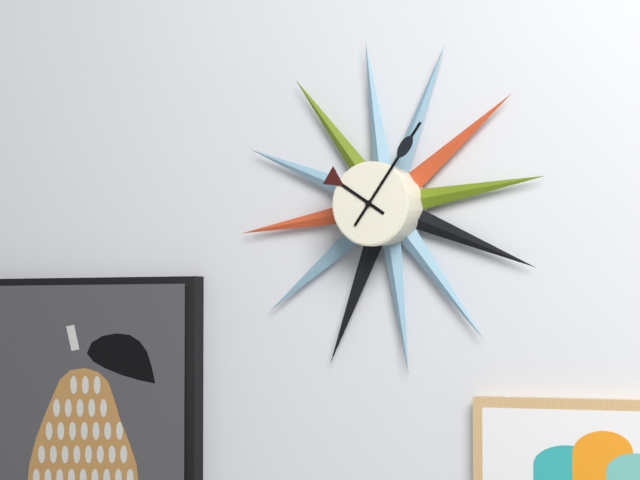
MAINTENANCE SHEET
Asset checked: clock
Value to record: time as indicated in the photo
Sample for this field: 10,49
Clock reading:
10,06
